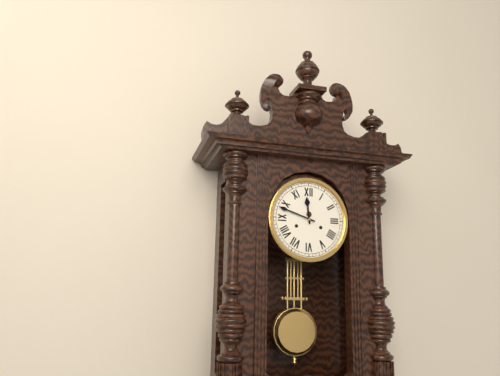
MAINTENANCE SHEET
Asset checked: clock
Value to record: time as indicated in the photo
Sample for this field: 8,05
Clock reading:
11,48
